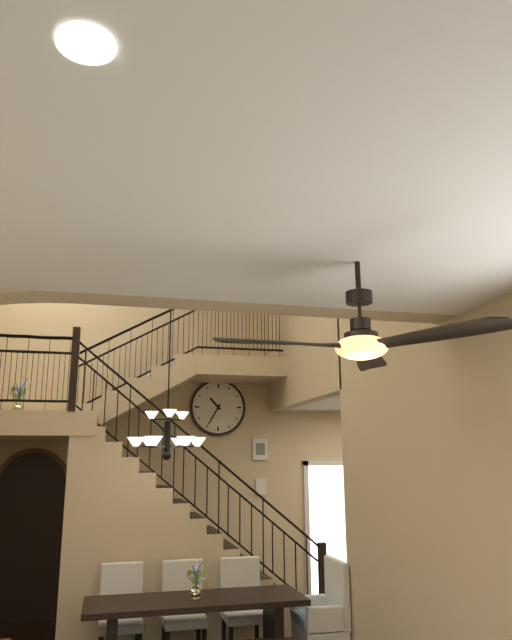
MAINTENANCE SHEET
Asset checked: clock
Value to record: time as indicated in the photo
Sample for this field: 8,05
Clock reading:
10,35
